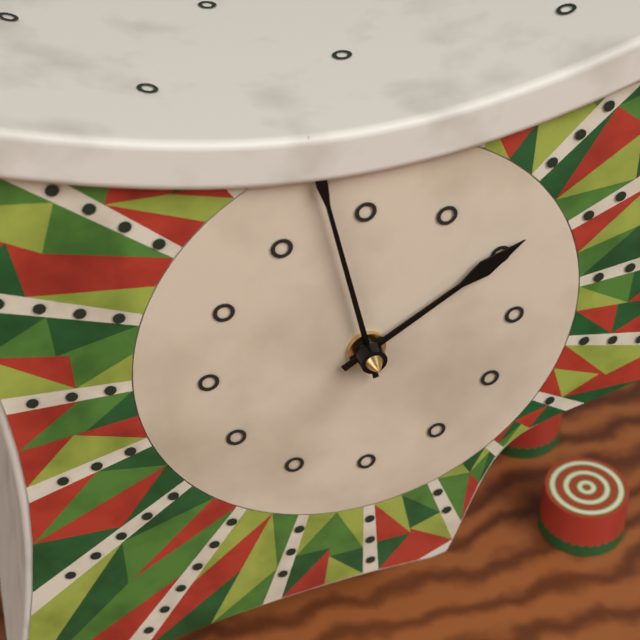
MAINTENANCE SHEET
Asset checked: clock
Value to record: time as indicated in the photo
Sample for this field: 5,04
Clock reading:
1,58
